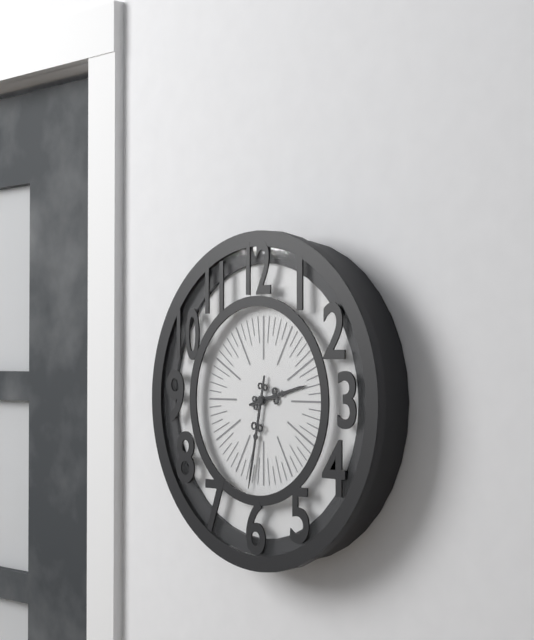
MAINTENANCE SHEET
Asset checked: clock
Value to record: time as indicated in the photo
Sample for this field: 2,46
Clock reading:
2,32
